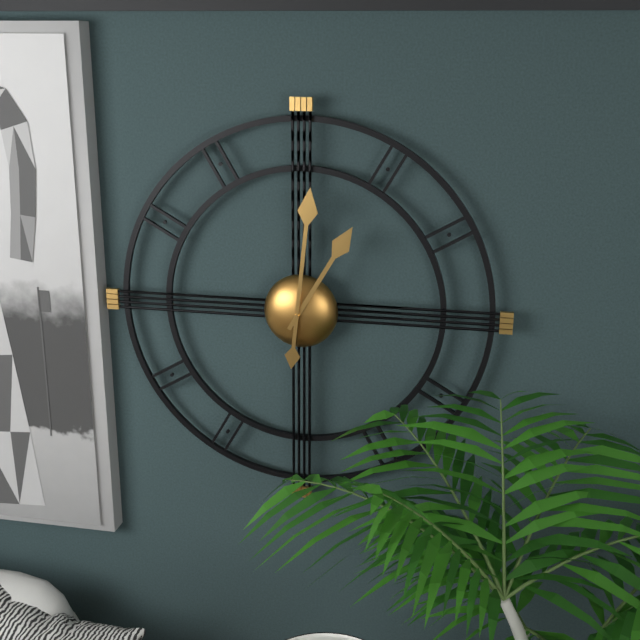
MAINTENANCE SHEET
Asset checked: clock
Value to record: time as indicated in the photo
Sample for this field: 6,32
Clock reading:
1,01
